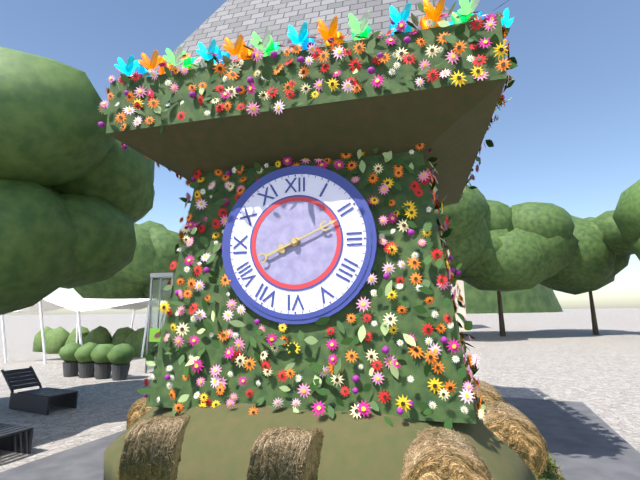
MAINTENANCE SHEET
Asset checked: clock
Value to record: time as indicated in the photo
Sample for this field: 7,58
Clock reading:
8,11
